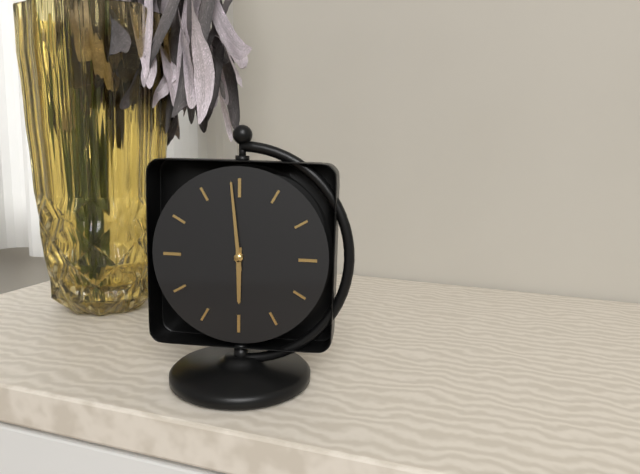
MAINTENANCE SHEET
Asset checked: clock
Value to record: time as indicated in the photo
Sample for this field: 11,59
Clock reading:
5,59
